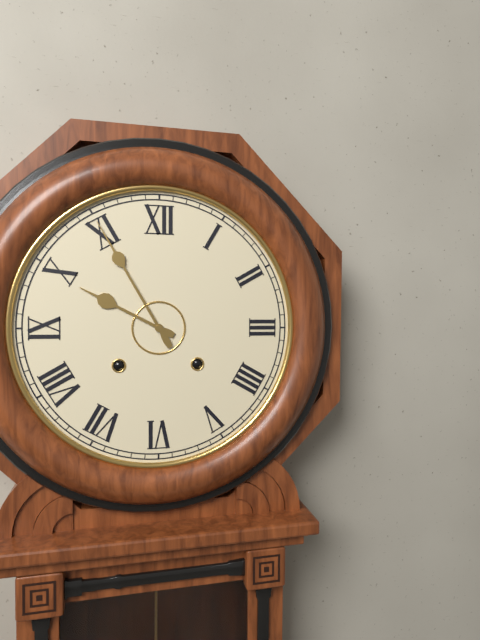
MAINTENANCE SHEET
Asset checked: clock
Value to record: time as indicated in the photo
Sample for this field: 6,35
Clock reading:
9,55
